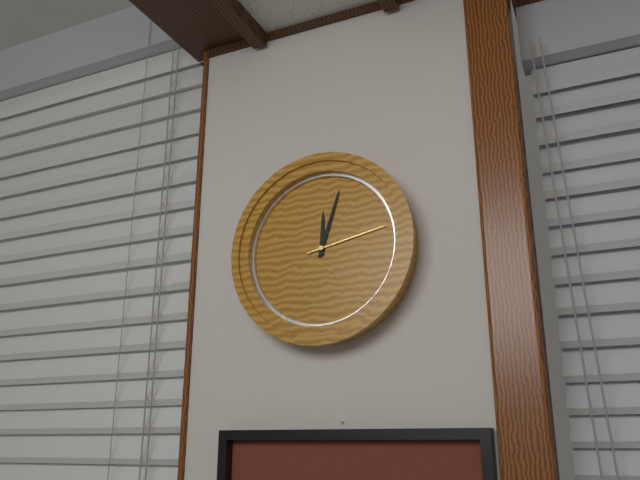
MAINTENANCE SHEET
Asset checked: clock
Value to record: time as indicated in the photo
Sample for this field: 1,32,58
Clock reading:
12,03,13
